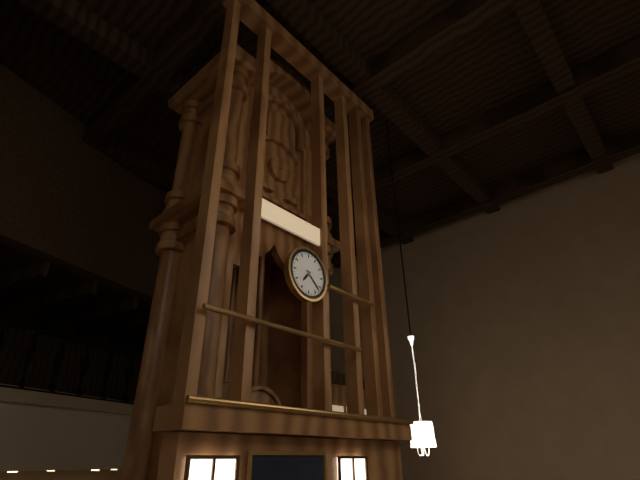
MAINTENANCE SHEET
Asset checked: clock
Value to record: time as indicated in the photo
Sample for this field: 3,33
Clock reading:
7,22
